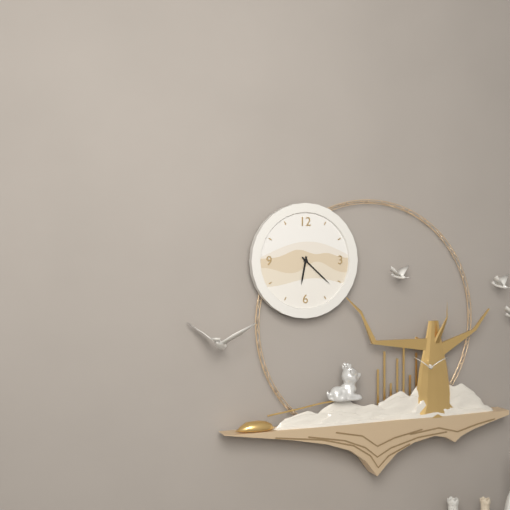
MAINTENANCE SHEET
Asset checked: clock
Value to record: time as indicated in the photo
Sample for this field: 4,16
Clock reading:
6,22
